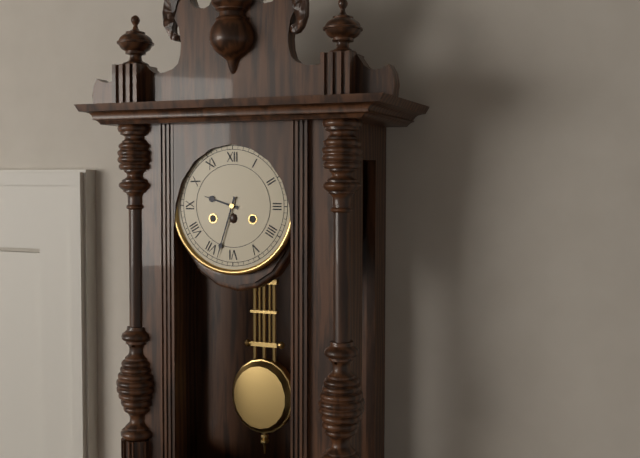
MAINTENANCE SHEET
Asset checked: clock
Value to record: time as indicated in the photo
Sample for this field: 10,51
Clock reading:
9,33
